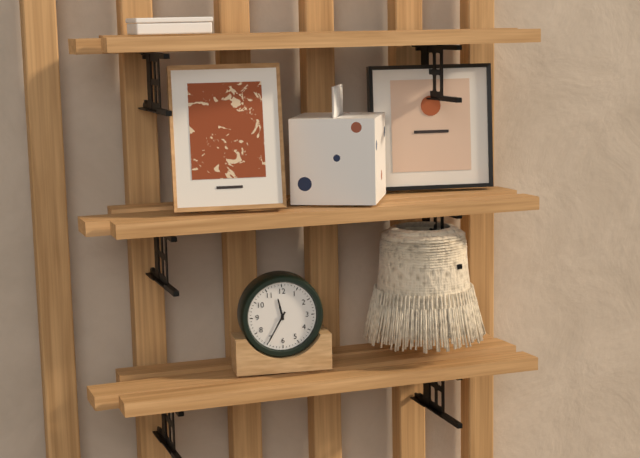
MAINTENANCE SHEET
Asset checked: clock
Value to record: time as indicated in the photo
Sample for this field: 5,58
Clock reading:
11,35
